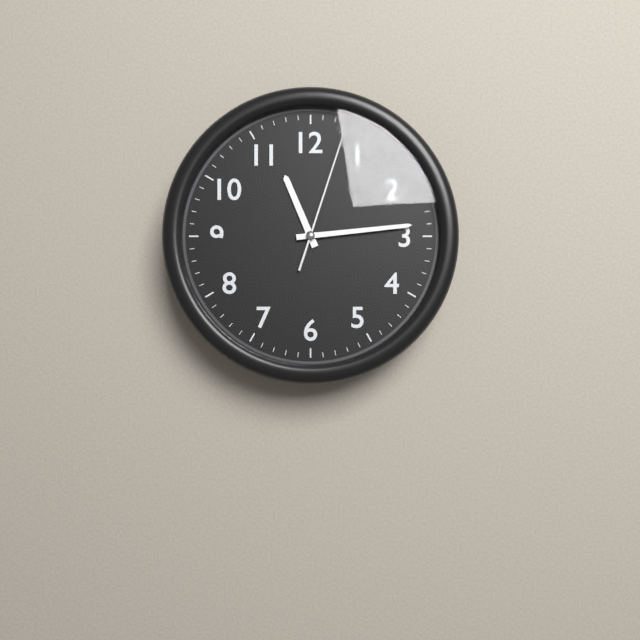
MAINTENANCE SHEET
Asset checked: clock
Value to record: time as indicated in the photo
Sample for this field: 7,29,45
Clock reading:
11,14,03
